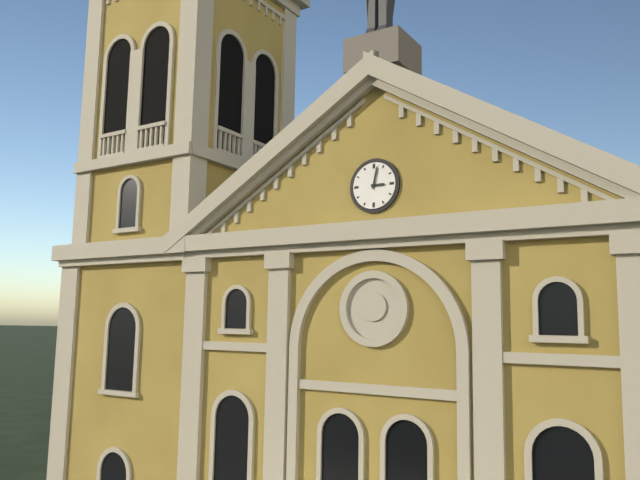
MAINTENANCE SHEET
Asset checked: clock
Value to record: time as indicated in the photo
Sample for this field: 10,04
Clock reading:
3,02
